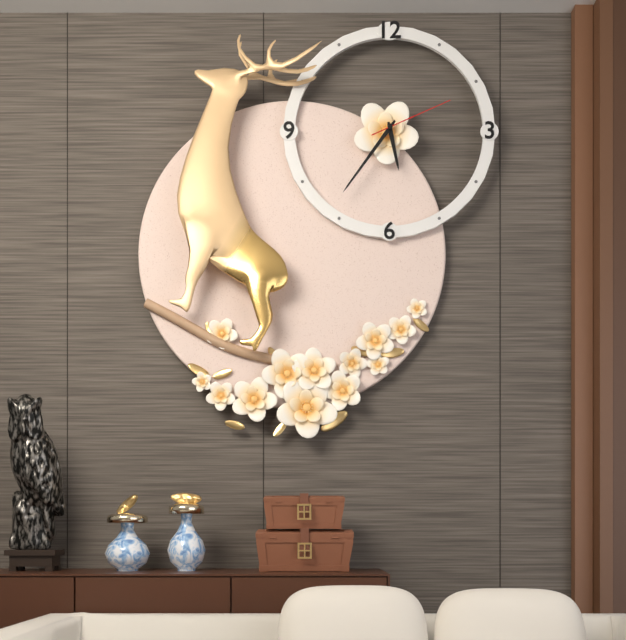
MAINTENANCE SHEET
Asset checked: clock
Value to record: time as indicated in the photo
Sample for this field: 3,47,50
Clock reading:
5,36,11
